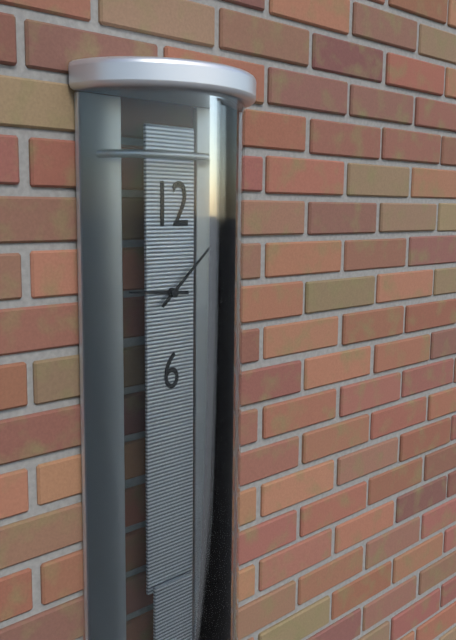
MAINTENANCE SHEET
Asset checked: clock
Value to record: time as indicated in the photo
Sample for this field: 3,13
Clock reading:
9,08
